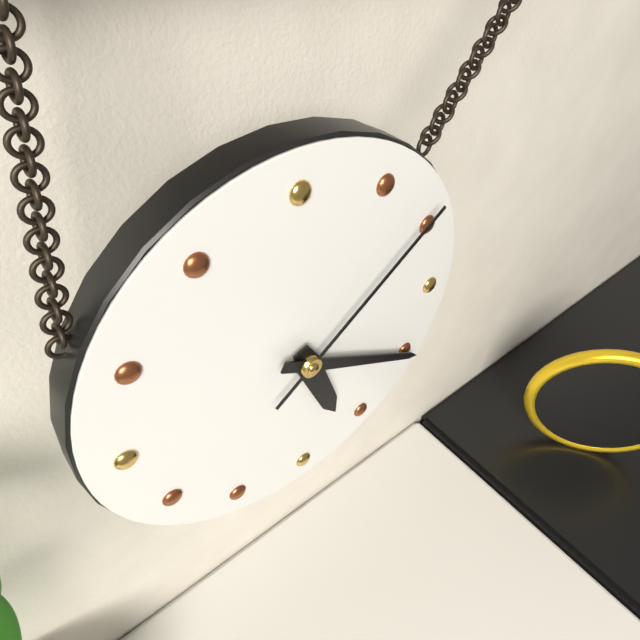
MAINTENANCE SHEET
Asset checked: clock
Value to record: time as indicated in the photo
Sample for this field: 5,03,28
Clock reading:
5,20,09
